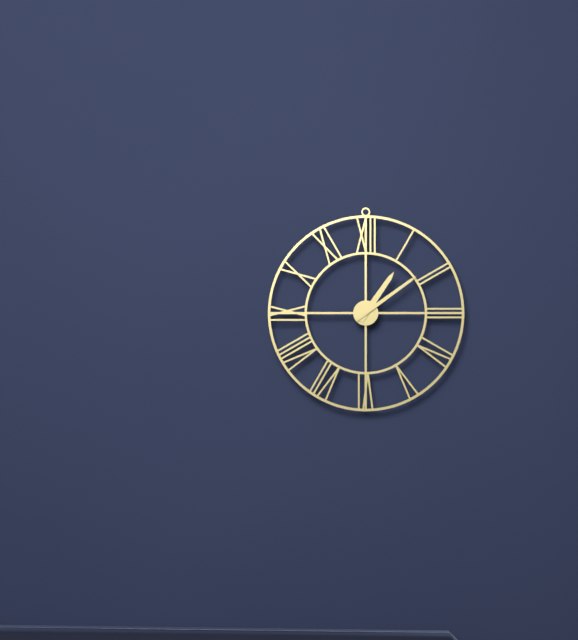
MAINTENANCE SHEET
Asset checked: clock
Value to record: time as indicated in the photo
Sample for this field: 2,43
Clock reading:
1,09
